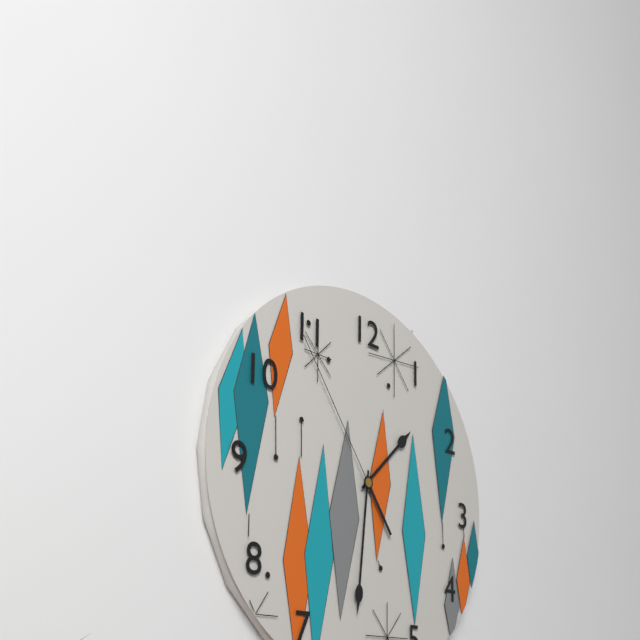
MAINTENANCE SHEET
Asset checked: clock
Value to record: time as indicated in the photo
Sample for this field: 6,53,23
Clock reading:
1,31,54
